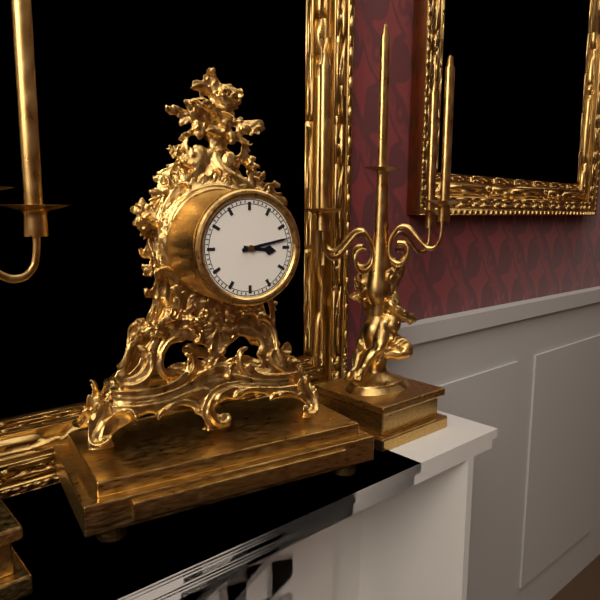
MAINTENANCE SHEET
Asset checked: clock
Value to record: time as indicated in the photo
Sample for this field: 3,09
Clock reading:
3,13
